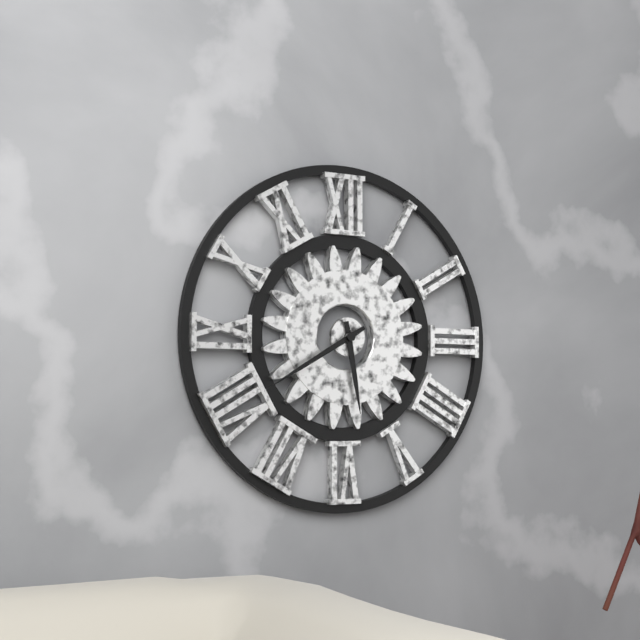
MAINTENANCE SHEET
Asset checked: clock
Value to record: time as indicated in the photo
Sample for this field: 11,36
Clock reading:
5,40
